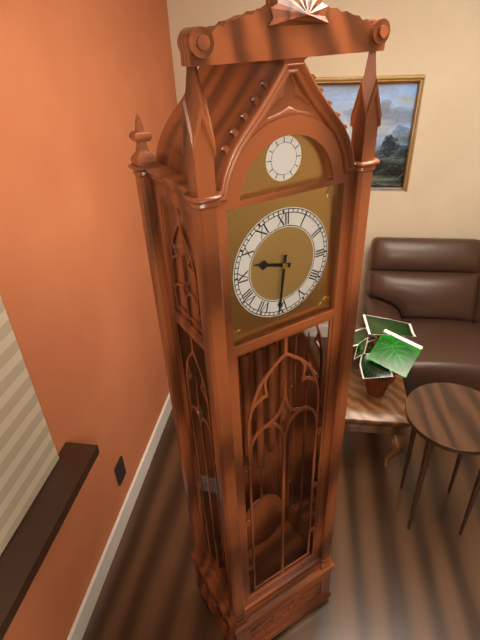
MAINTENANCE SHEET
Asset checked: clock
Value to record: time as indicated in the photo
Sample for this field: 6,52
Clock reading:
9,31
